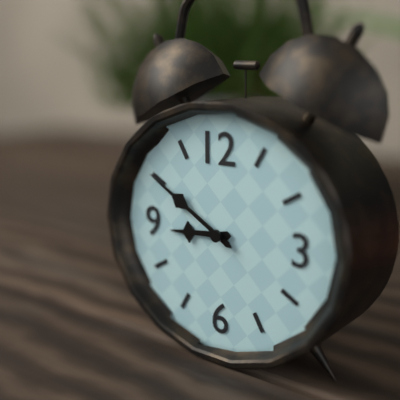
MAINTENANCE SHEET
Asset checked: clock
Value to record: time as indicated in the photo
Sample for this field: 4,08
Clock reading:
8,50
